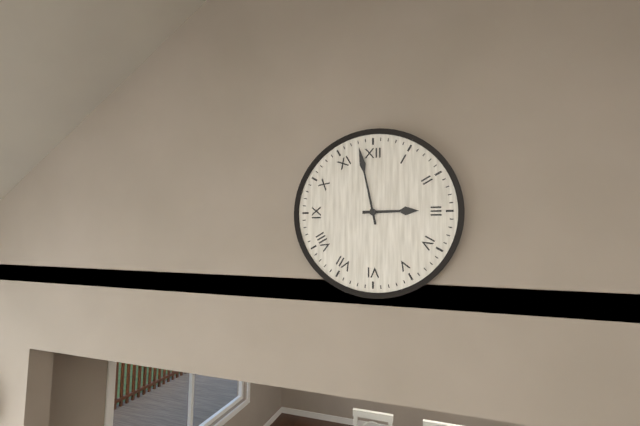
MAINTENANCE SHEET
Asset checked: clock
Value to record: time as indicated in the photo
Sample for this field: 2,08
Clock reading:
2,58
